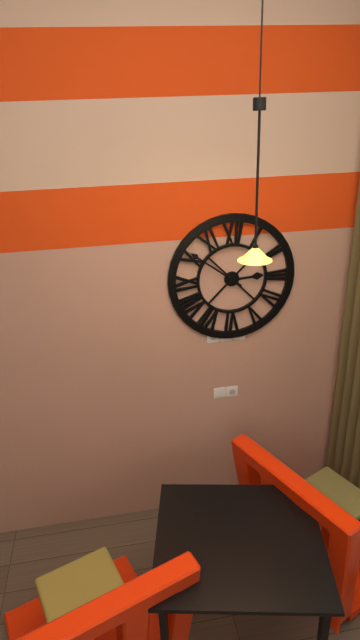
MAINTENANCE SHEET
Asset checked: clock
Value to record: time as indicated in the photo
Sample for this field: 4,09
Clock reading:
2,51
